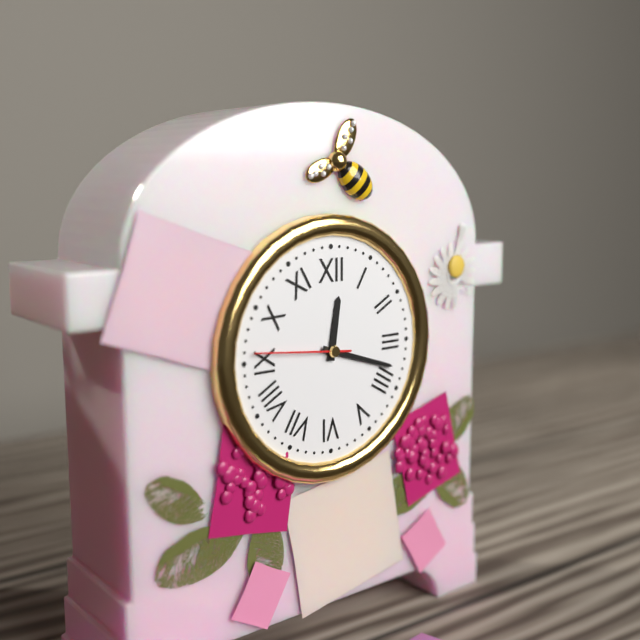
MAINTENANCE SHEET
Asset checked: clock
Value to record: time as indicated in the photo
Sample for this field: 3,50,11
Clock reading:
12,18,46
